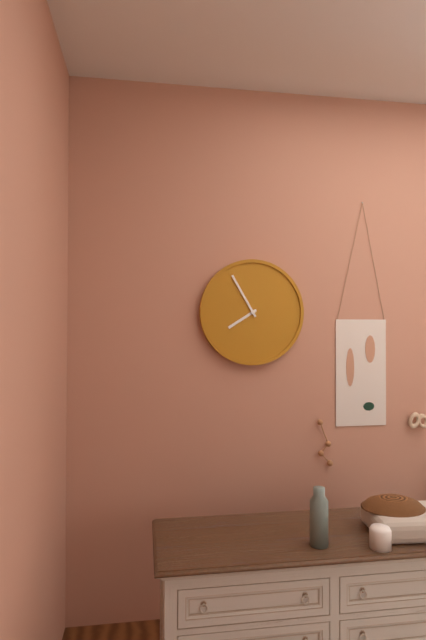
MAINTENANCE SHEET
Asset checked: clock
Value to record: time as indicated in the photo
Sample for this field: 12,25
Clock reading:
7,55
